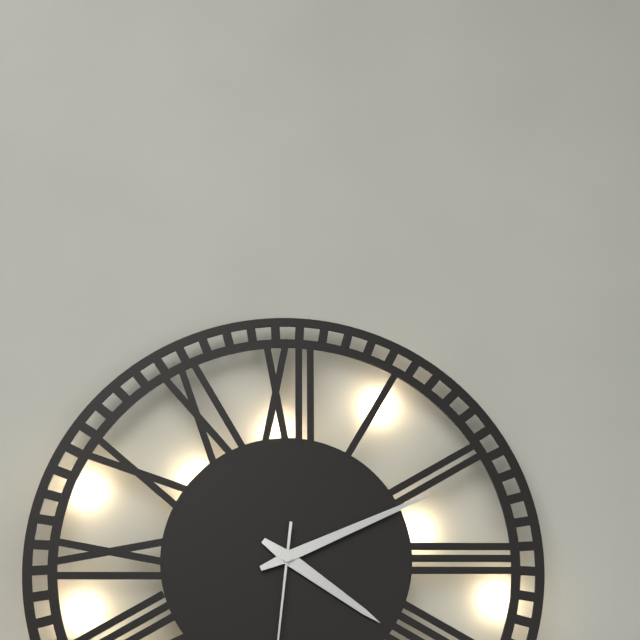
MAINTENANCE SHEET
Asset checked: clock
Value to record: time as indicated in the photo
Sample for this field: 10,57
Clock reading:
4,11
